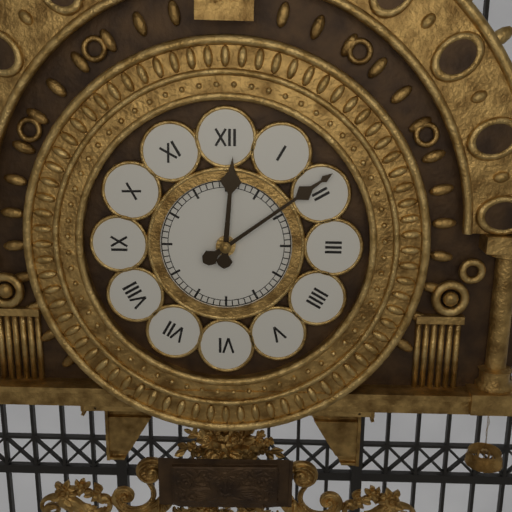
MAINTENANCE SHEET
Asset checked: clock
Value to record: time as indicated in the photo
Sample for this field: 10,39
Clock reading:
12,09
